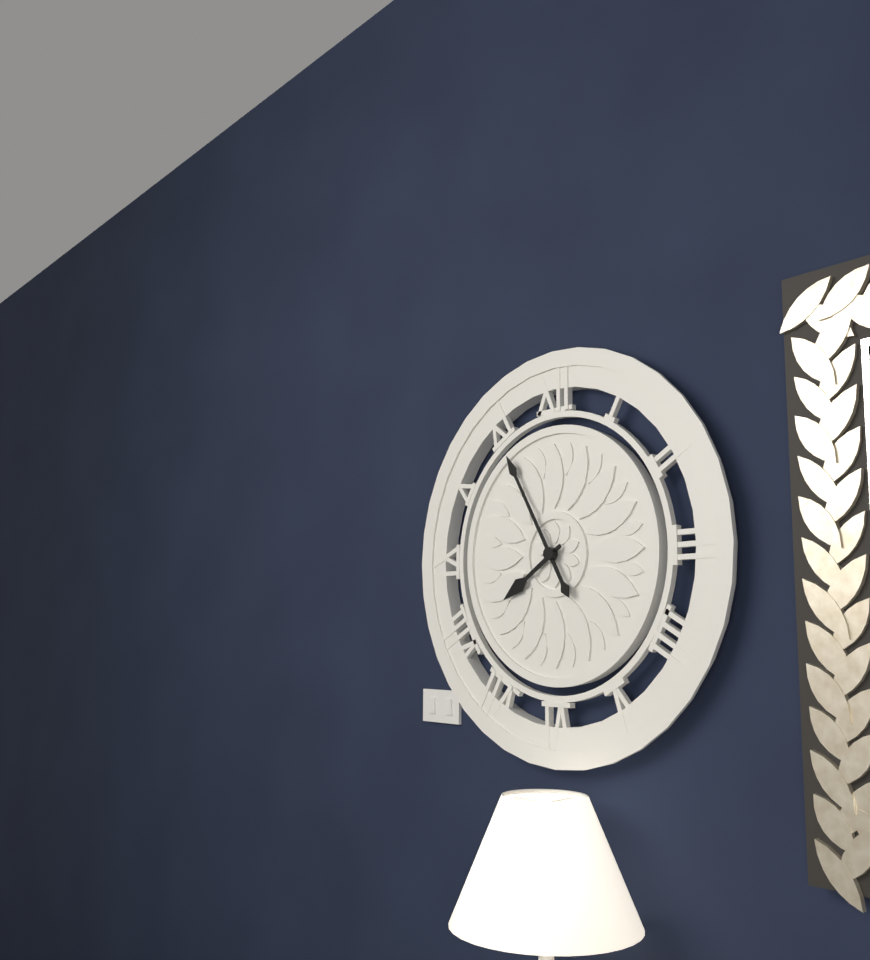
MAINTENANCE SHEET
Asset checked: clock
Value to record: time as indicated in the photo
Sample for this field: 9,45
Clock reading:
7,55
